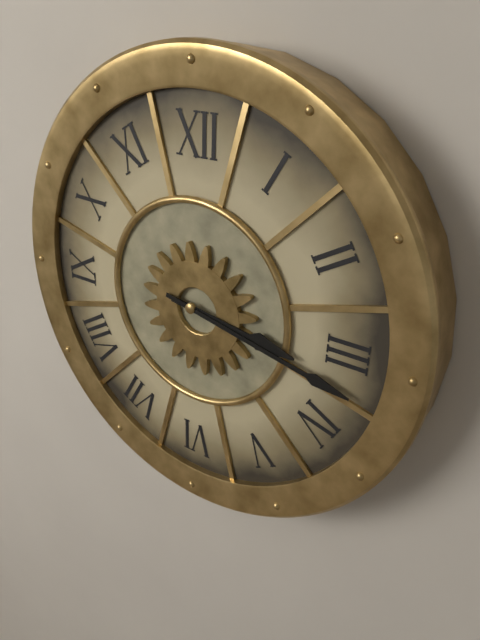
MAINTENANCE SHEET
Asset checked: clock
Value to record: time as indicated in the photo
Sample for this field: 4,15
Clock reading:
3,17
